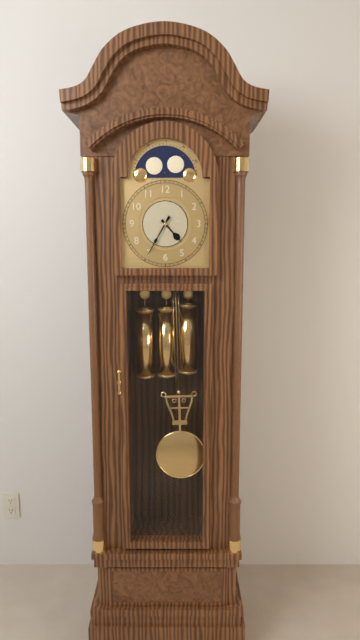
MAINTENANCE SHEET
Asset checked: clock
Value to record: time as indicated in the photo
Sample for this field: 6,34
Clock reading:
4,35
